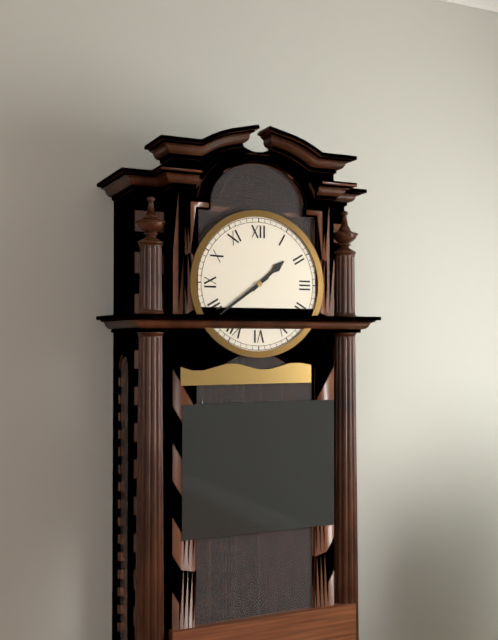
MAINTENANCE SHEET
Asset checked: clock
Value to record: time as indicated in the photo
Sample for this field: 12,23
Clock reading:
1,39
